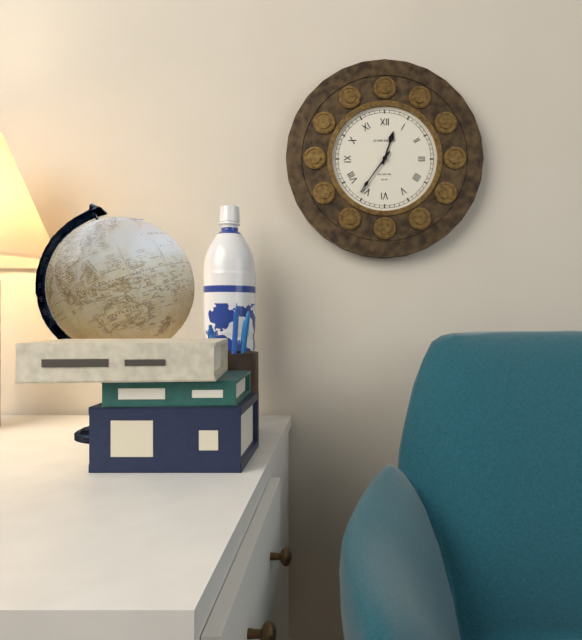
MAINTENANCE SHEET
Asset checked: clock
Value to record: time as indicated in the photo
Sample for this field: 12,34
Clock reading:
12,36
